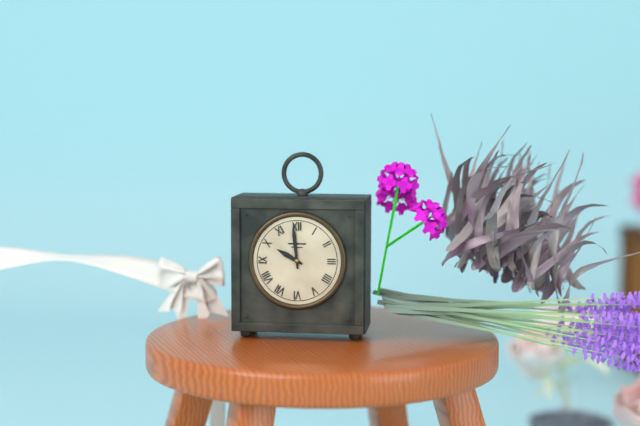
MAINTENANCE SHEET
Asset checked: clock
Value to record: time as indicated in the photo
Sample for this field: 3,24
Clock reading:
9,59
